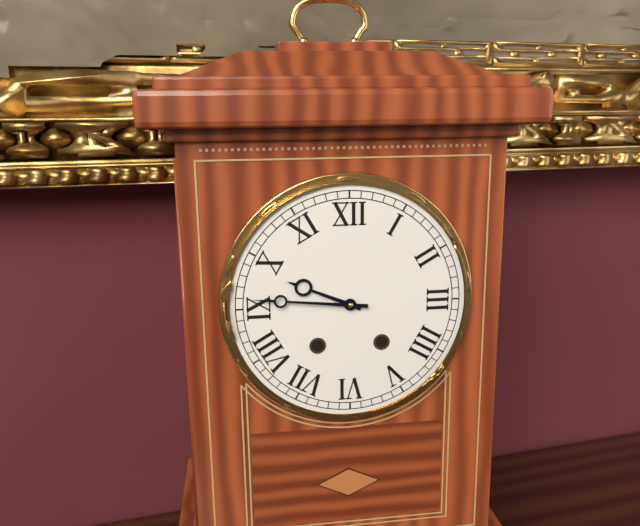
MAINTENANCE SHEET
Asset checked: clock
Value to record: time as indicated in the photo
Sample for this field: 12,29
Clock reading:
9,46
